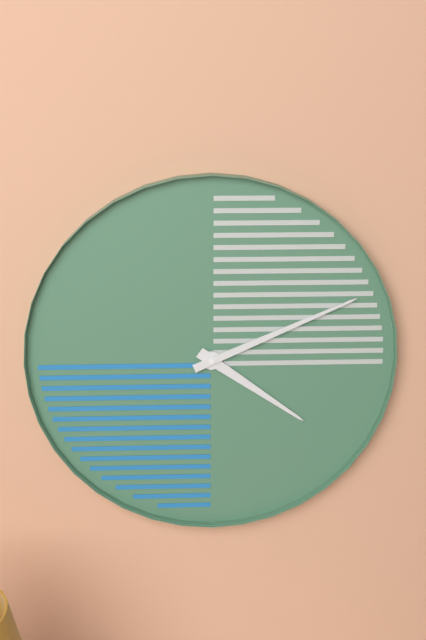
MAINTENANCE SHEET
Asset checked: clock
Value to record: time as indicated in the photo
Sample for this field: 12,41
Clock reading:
4,11
